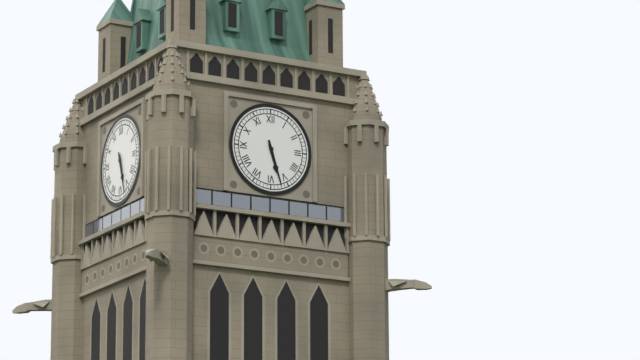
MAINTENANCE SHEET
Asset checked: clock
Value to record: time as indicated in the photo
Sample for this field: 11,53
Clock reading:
5,27
